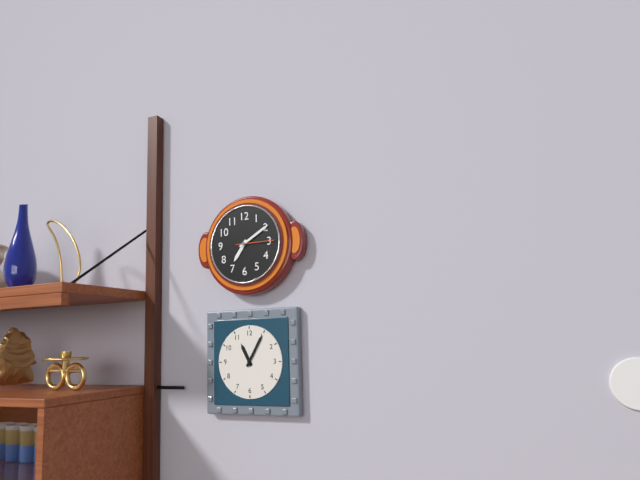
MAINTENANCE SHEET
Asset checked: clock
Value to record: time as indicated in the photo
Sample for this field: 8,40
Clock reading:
7,10
